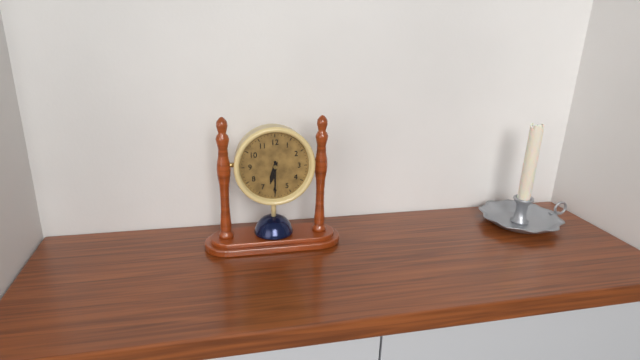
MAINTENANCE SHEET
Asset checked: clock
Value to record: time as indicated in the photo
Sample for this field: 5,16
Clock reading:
6,30
